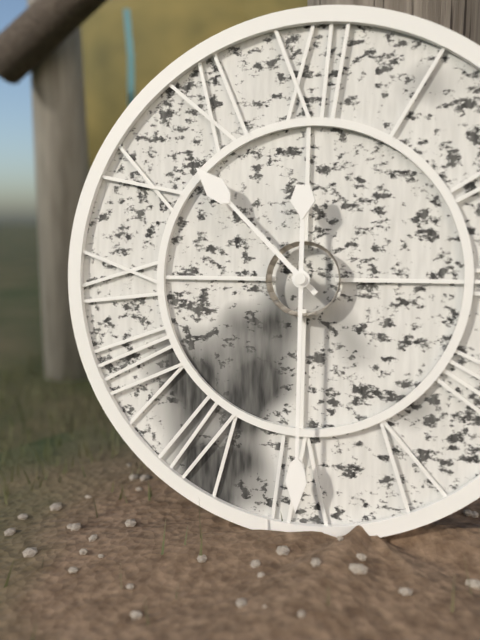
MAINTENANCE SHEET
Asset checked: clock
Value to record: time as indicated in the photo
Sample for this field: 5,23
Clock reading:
10,30
